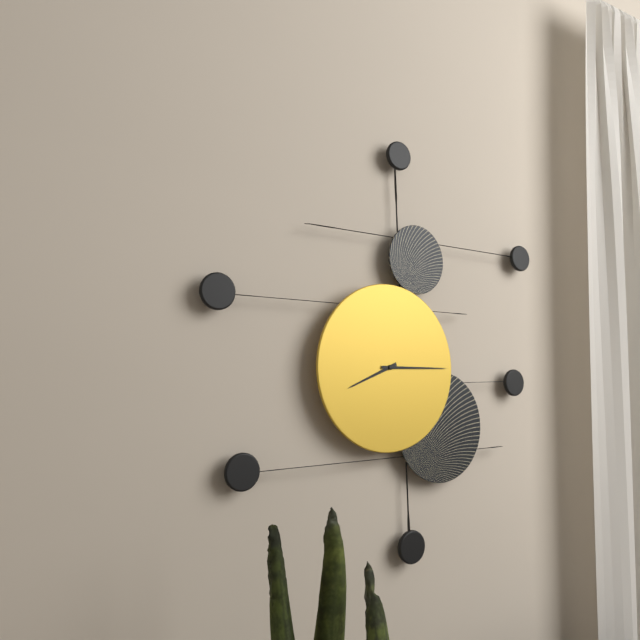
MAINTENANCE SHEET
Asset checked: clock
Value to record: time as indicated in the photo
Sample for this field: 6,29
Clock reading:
8,15
